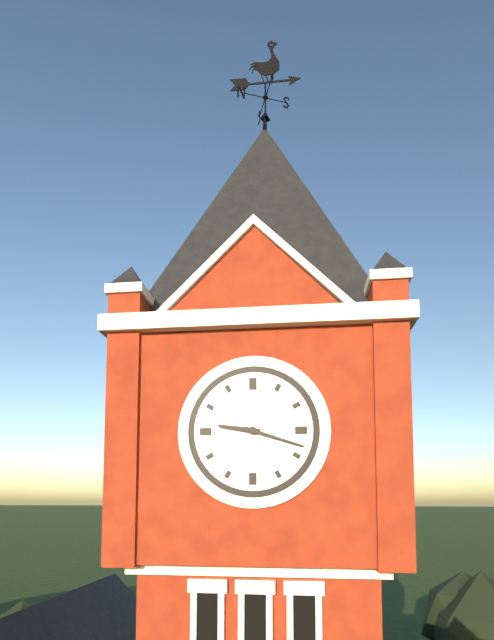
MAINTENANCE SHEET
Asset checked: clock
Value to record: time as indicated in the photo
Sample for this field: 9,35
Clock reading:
9,18
